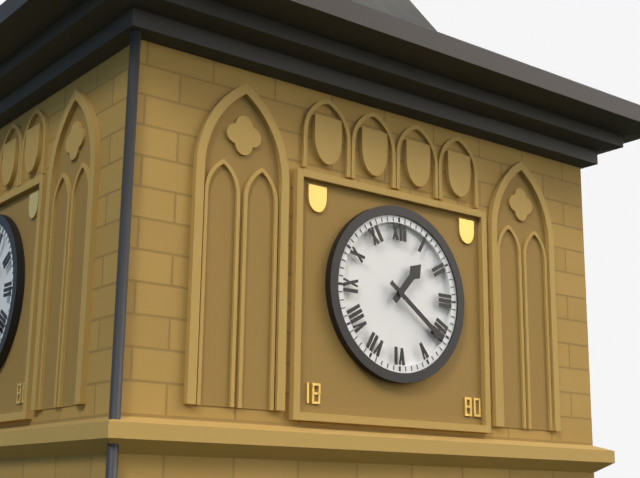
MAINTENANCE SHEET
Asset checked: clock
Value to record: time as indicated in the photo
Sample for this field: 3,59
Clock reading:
1,21
